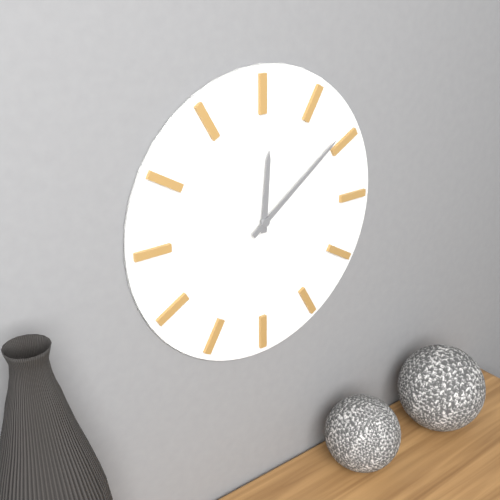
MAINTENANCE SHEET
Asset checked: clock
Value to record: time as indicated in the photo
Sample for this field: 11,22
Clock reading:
12,09
